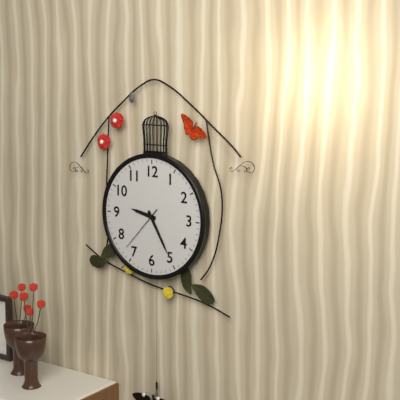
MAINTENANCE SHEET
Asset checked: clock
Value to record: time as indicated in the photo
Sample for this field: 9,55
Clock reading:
9,25
